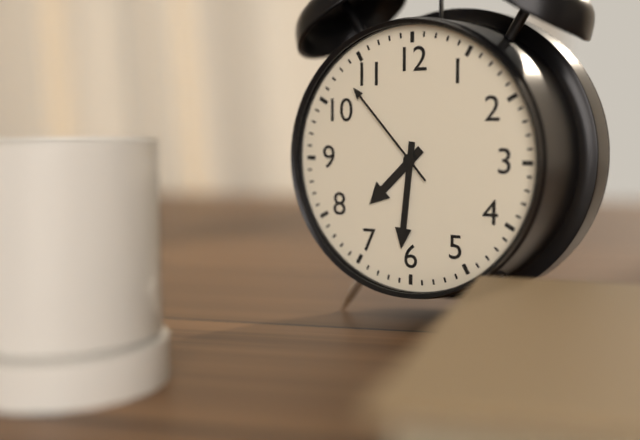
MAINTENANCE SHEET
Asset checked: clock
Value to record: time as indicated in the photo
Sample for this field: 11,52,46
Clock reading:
7,31,53
